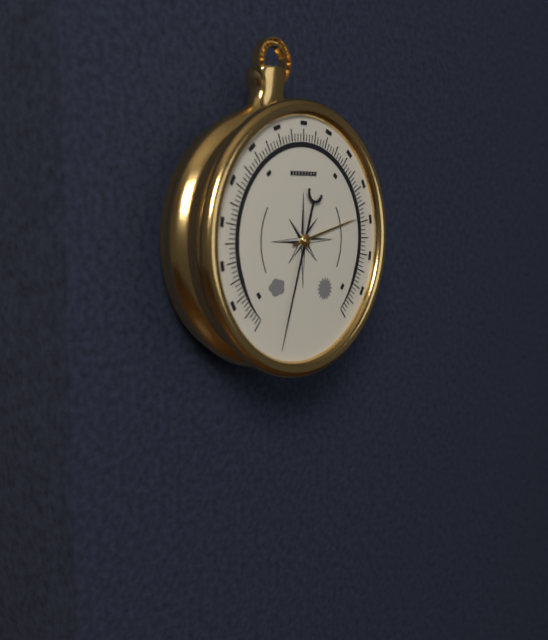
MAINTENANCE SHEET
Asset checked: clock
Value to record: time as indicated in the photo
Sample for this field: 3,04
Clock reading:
2,33
